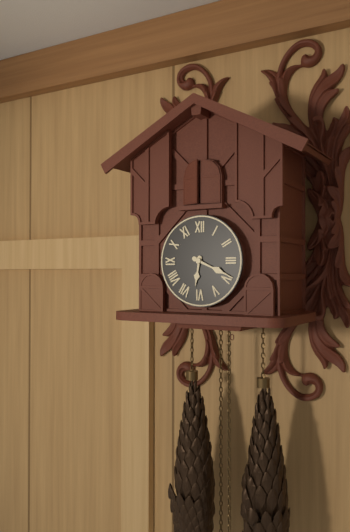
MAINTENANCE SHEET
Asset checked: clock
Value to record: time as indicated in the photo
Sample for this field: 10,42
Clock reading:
6,19
